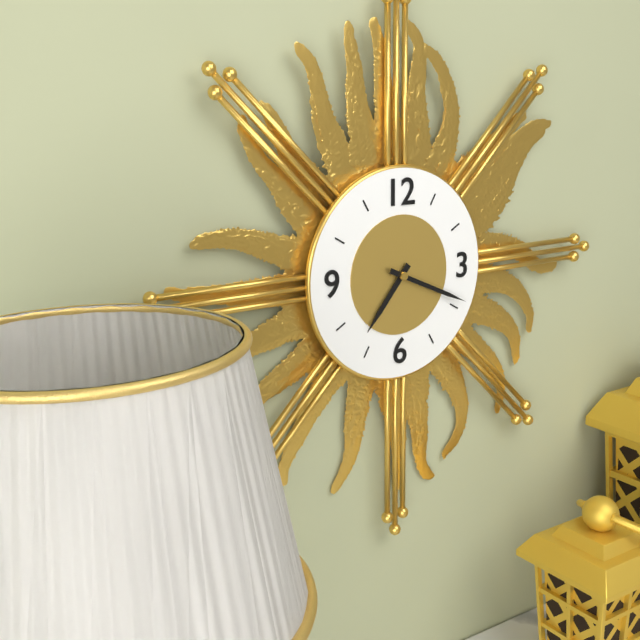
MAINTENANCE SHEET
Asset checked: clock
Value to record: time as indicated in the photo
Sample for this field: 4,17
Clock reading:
7,19
